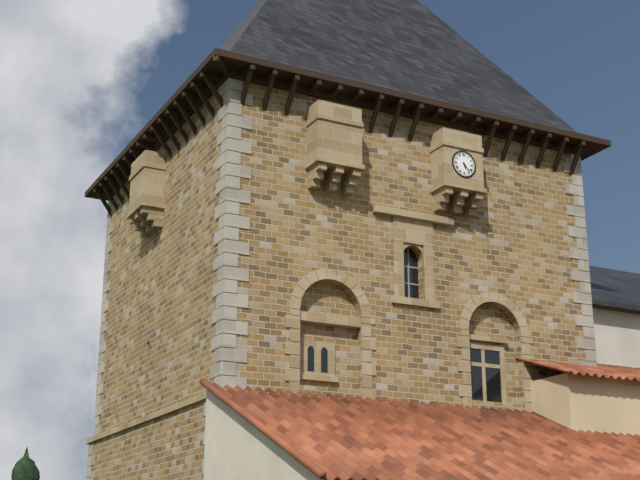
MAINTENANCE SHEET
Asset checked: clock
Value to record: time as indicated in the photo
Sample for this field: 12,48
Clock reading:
5,23
